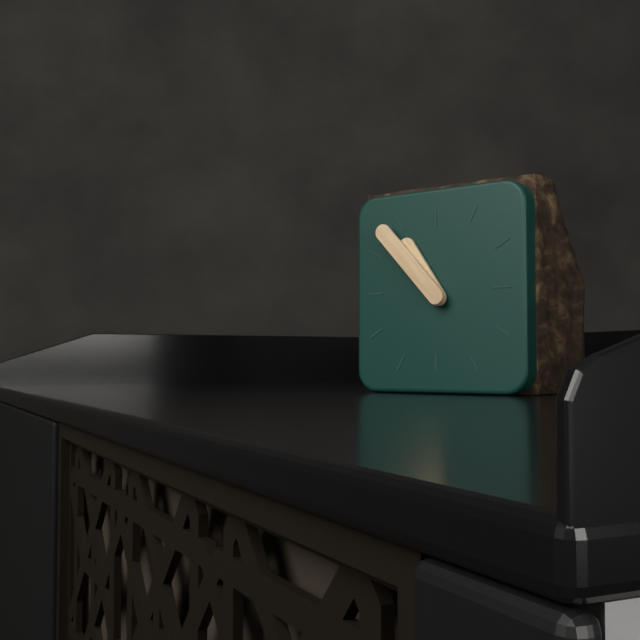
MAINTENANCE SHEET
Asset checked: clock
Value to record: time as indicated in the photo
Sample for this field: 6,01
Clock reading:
10,53
